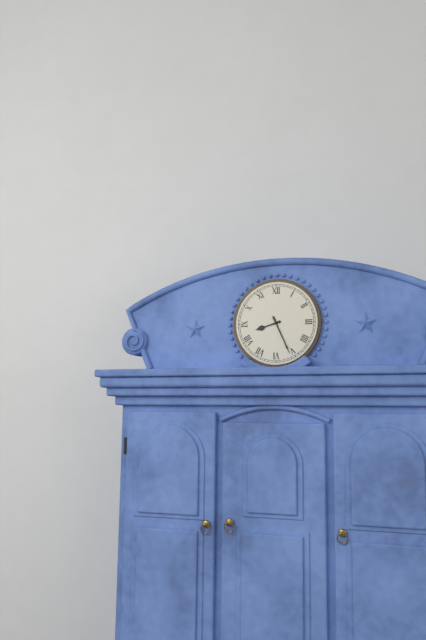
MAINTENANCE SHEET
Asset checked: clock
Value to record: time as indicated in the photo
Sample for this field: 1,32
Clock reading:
8,26
